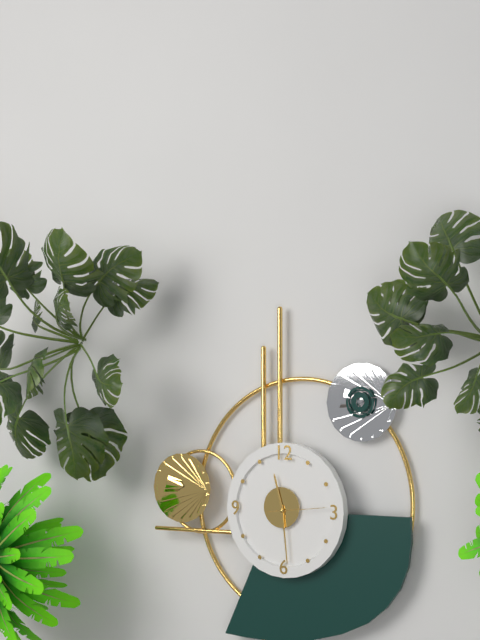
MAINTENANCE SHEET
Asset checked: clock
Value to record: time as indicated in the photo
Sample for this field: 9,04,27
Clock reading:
11,29,14
